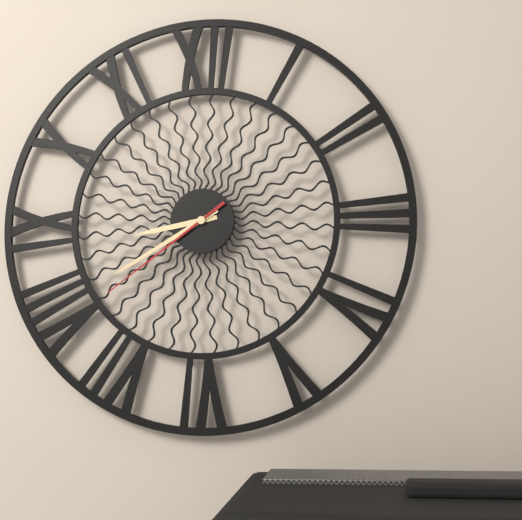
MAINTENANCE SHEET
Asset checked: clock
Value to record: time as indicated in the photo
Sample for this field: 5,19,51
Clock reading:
8,40,39
